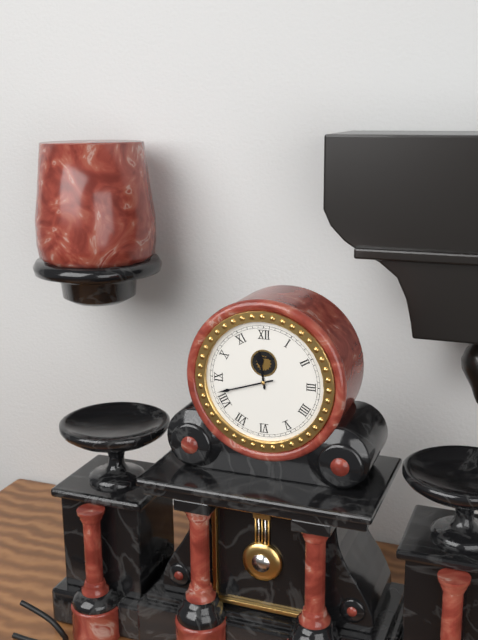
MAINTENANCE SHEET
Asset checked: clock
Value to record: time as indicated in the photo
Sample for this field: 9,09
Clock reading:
11,42
